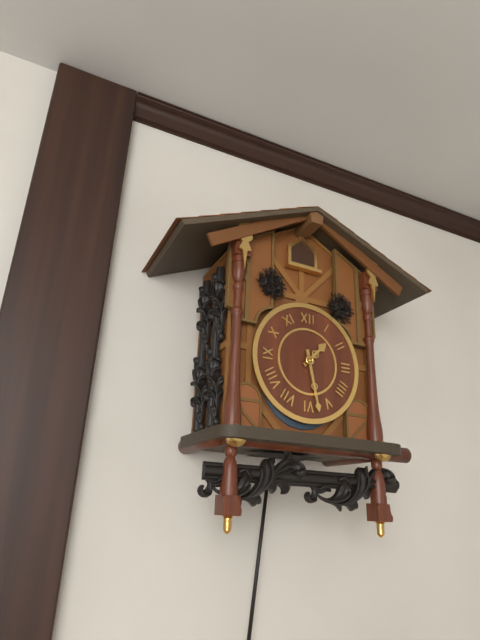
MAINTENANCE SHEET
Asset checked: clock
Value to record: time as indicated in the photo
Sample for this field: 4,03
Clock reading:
1,28
